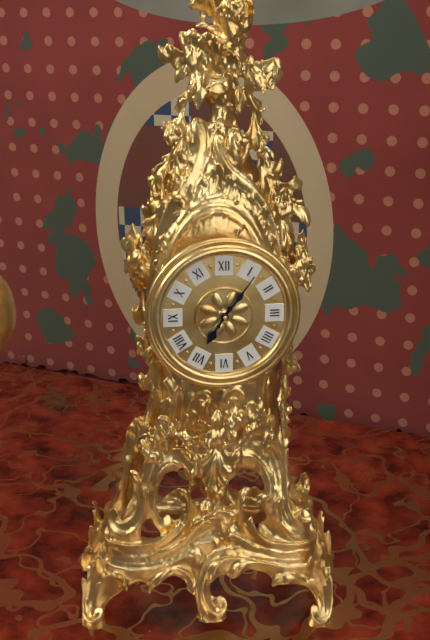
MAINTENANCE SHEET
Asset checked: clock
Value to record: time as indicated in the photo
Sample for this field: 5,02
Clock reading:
7,06
